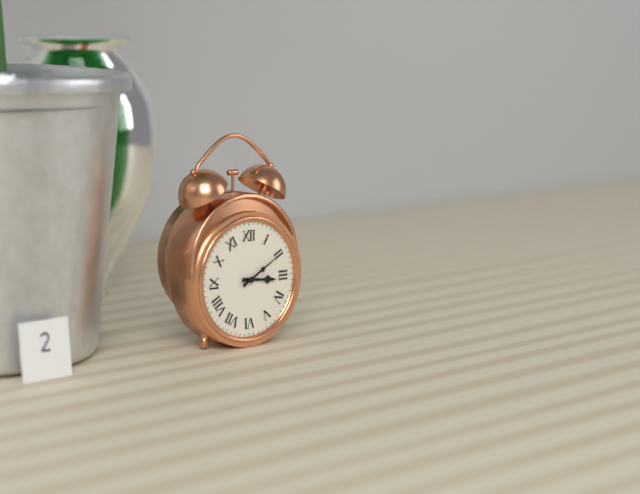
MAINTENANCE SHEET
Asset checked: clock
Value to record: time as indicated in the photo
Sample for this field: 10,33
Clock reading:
3,10
